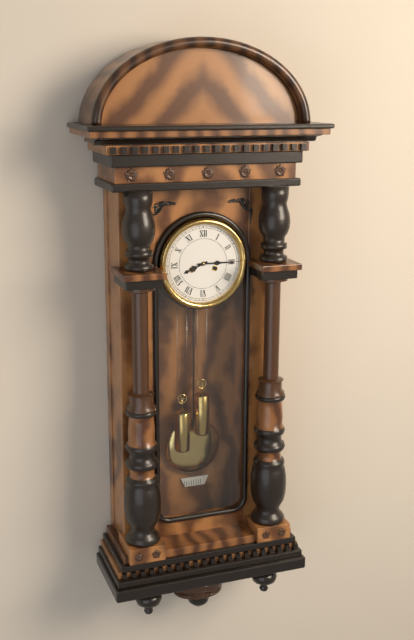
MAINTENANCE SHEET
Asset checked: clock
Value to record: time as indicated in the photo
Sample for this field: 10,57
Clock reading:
8,15
